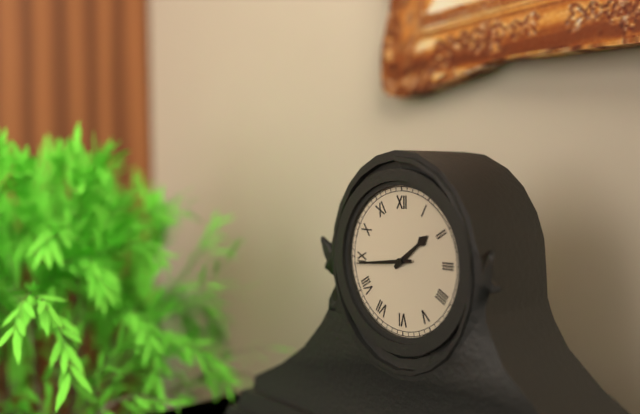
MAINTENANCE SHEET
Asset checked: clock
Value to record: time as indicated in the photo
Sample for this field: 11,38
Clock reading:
1,44
